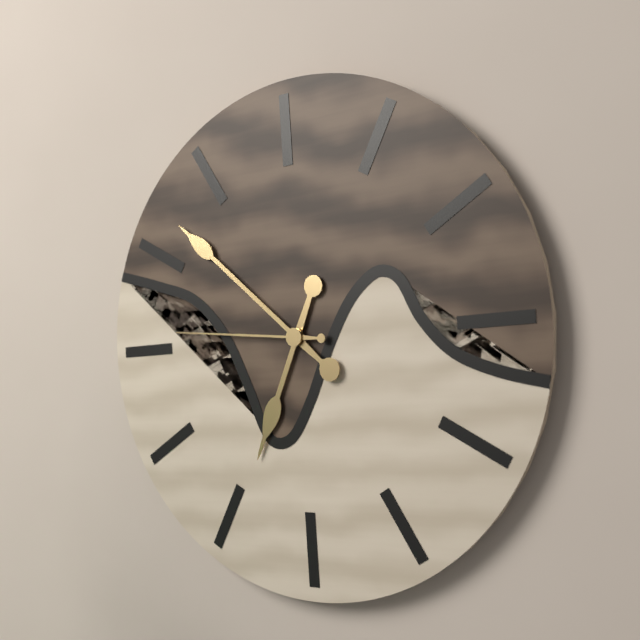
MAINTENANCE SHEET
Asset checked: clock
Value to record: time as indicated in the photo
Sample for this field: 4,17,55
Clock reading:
6,52,46
